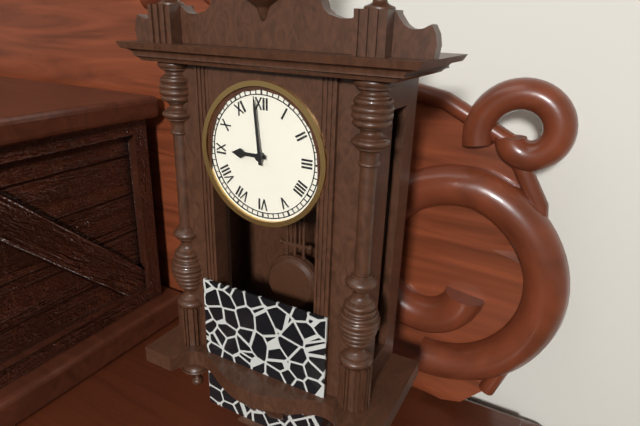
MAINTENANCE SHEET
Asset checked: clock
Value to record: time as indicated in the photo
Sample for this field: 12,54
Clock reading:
8,59
